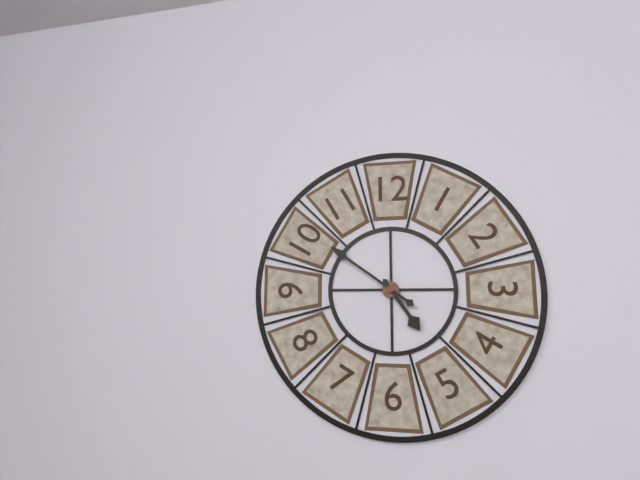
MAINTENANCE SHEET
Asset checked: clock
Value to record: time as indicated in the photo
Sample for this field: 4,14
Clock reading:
4,51
